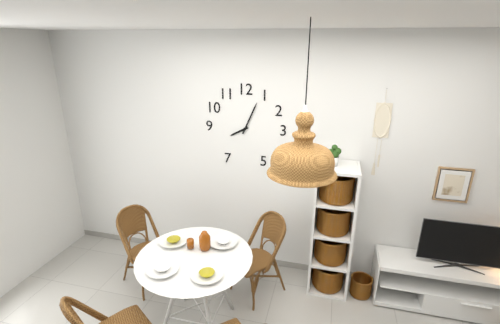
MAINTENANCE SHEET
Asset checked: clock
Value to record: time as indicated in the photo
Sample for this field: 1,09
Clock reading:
8,04
